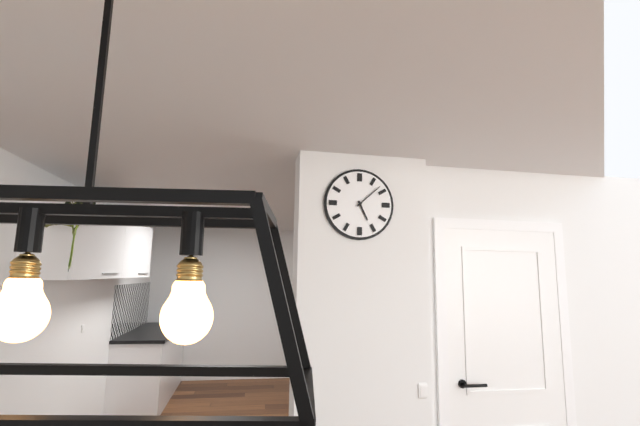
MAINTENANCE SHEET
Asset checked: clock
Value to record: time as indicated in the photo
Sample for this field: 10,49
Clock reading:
5,08
